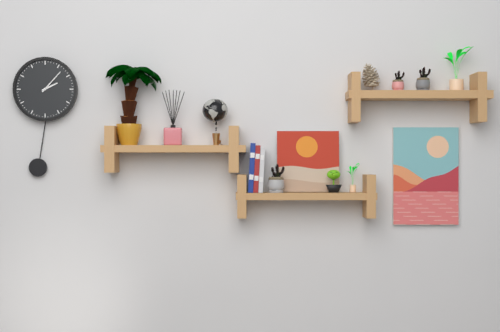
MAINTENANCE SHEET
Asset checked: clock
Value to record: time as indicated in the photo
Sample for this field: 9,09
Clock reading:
2,07
